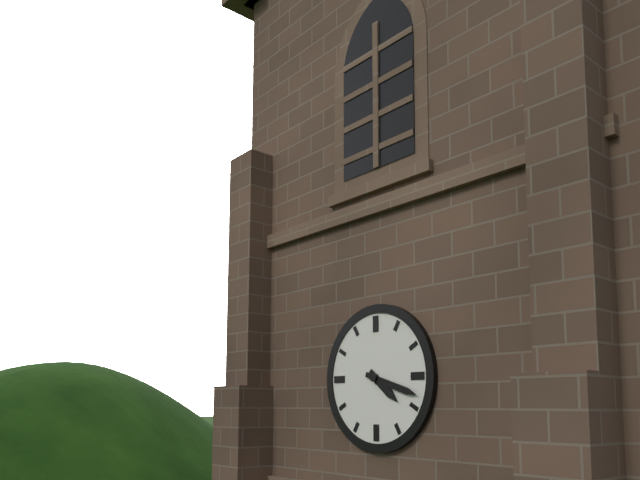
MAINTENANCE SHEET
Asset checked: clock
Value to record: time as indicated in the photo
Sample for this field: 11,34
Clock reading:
4,18
